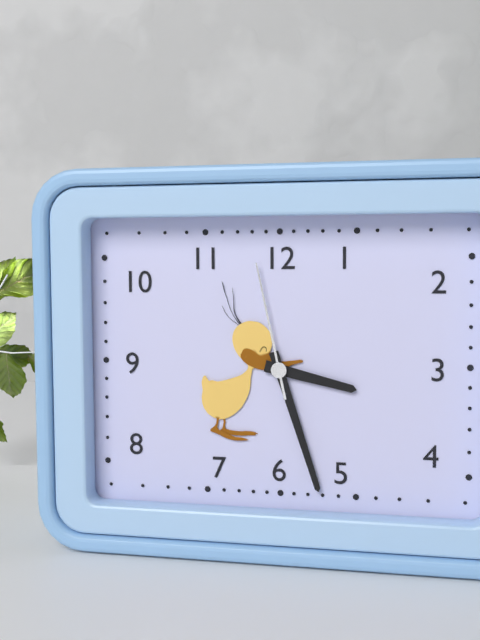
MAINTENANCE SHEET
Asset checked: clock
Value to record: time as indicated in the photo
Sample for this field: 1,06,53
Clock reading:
3,27,58
